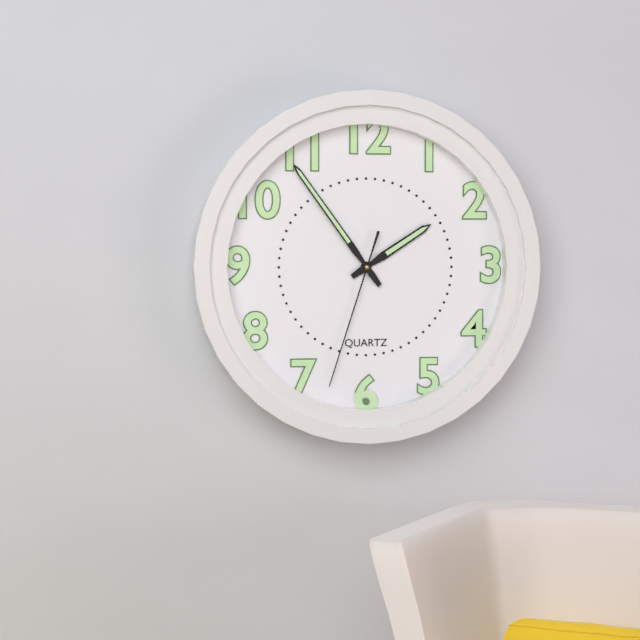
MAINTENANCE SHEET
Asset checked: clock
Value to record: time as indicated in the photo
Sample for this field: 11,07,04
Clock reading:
1,54,33
